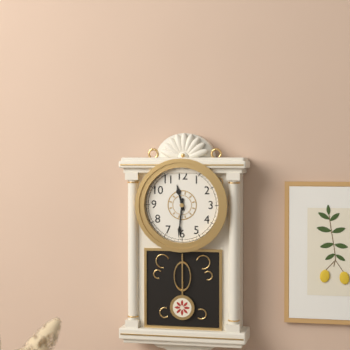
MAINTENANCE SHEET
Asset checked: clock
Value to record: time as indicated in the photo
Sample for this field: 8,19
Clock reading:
11,31
